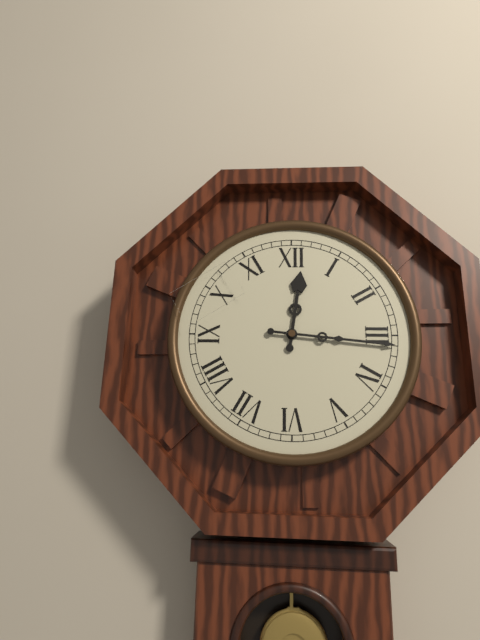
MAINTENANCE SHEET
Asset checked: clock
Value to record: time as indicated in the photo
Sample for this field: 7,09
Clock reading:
12,16
